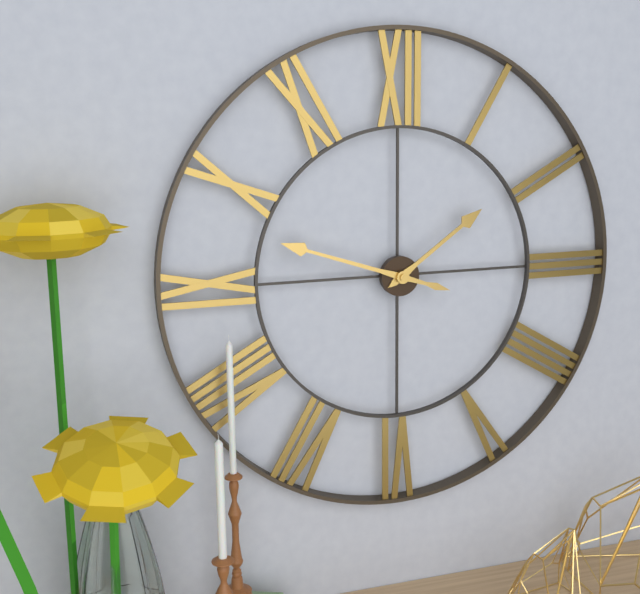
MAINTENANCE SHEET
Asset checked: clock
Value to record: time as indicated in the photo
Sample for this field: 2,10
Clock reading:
1,48
